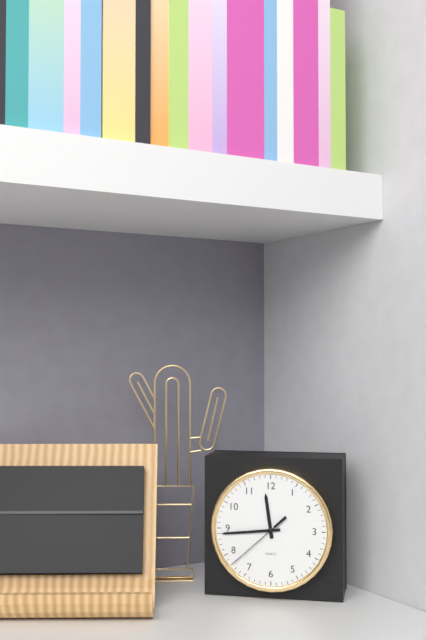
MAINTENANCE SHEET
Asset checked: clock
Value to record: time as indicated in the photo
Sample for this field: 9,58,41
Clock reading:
11,44,38
